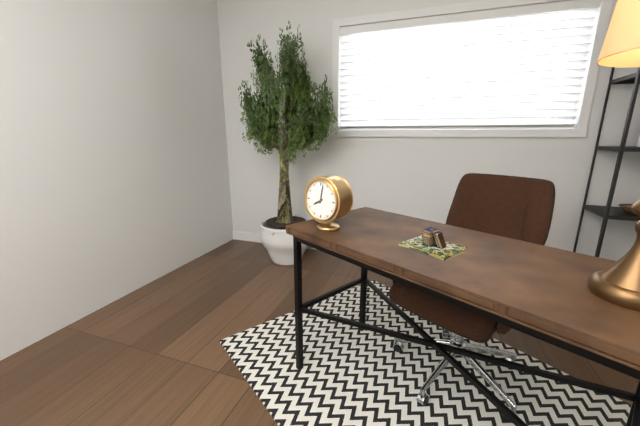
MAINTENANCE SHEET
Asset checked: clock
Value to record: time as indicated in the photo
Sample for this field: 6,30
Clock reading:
8,02
